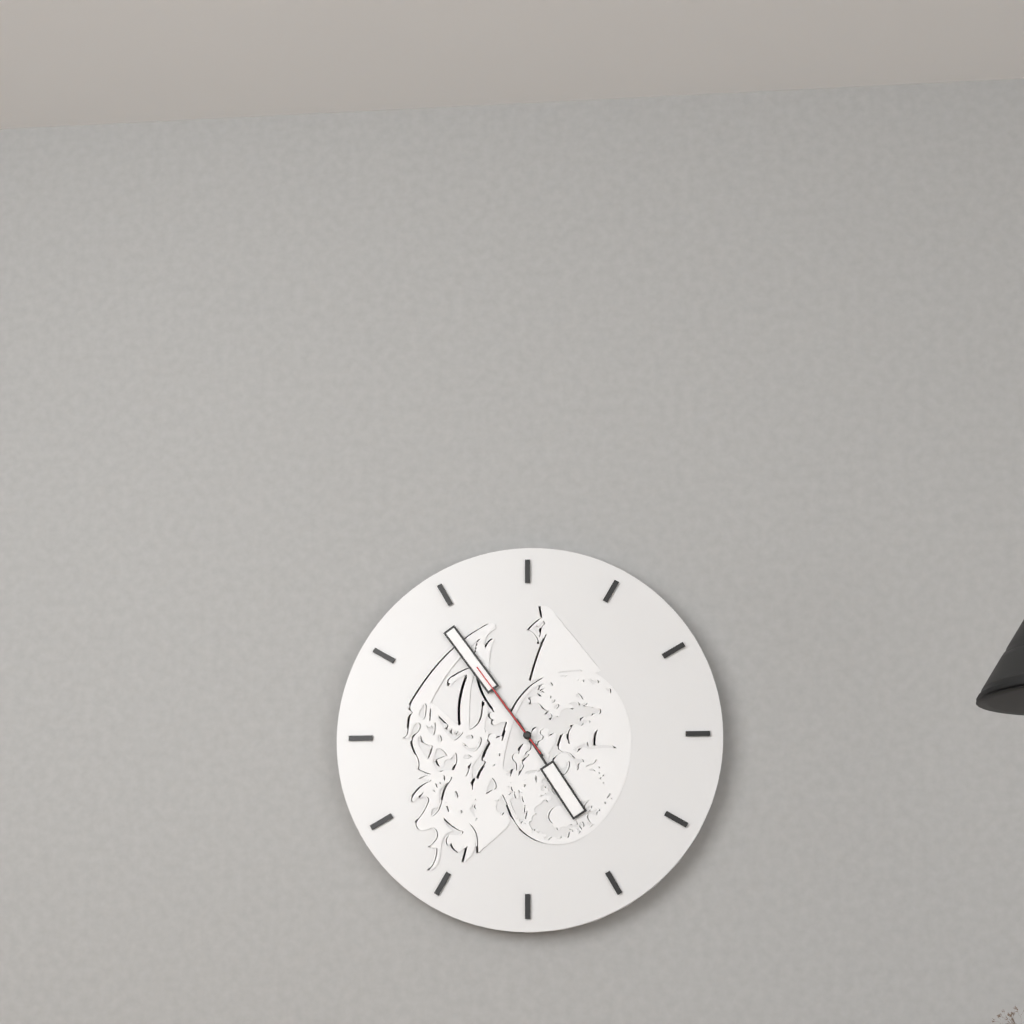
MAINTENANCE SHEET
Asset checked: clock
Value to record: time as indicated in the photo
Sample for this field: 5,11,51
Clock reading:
4,54,54
